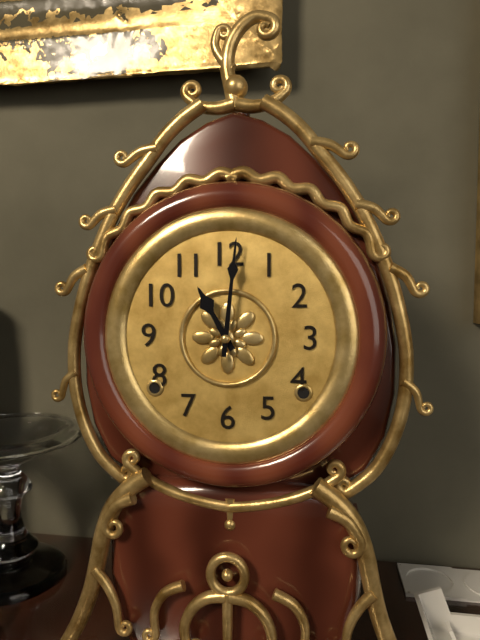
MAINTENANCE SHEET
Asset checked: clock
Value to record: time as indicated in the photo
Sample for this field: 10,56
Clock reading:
11,01
